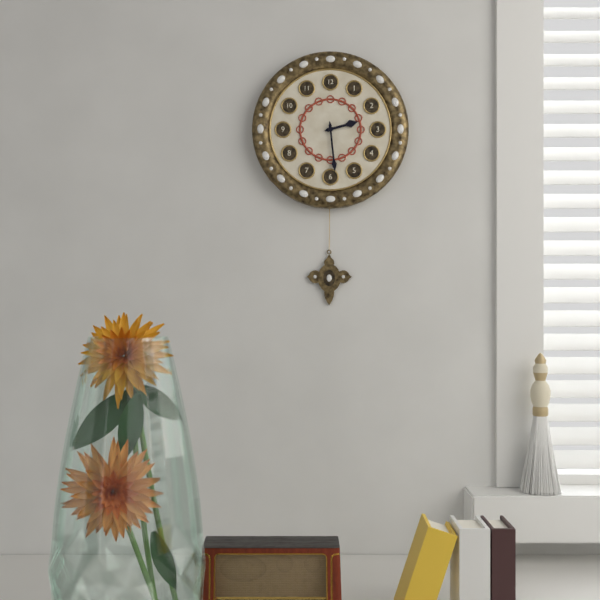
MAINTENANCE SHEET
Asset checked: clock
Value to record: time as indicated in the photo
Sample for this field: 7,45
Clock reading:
2,29
